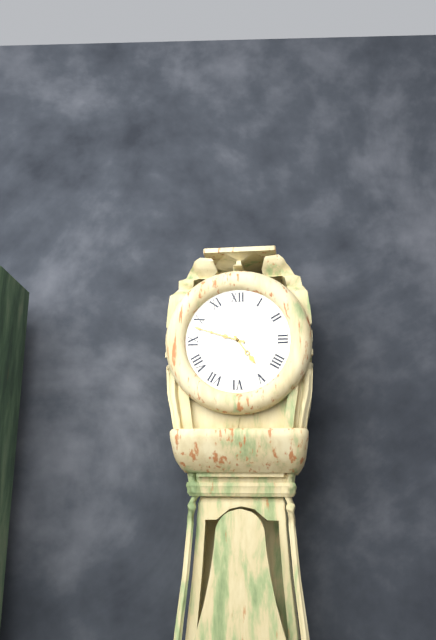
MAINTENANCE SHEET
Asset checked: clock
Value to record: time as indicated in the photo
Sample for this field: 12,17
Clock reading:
4,48
